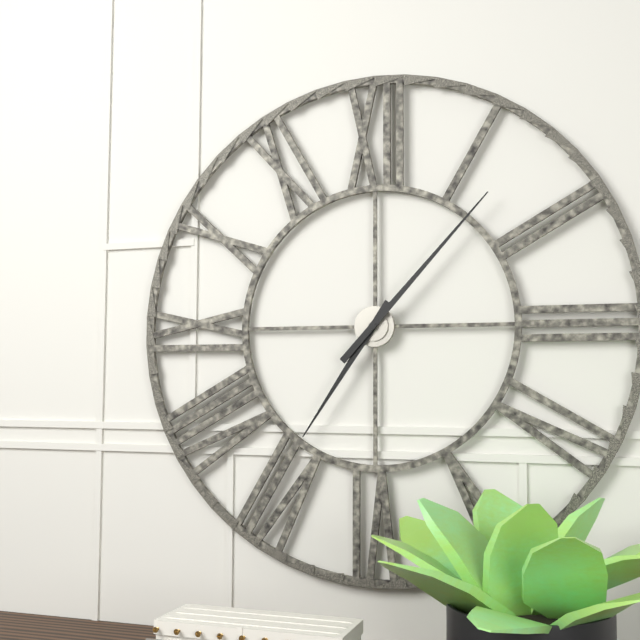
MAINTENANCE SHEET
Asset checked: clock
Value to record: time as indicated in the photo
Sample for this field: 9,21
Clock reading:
7,07
